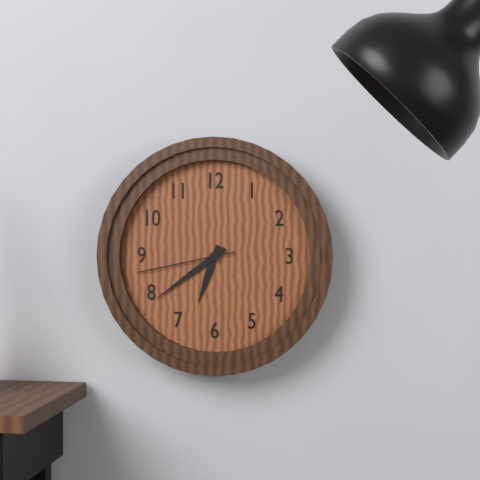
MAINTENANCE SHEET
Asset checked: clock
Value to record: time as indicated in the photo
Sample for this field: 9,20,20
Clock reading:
6,39,43
